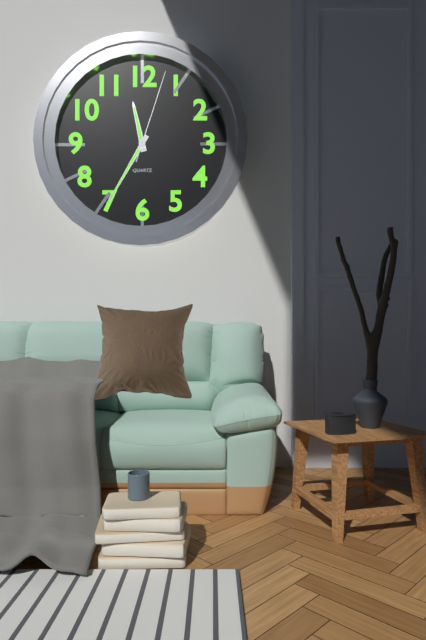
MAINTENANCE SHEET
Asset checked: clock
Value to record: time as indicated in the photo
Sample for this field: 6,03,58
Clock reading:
11,35,03
